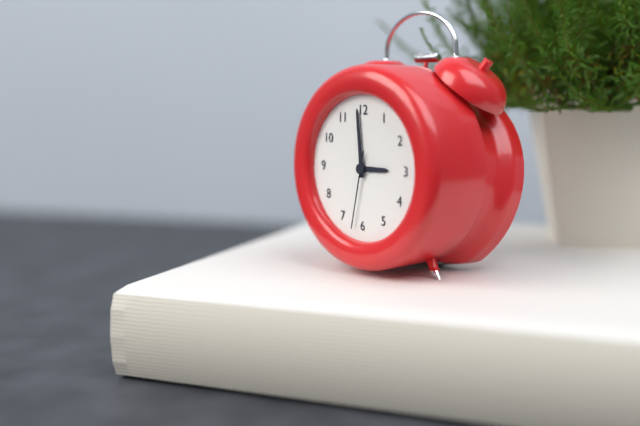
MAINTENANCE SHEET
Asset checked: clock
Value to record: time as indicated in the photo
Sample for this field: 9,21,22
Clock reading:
2,59,32
